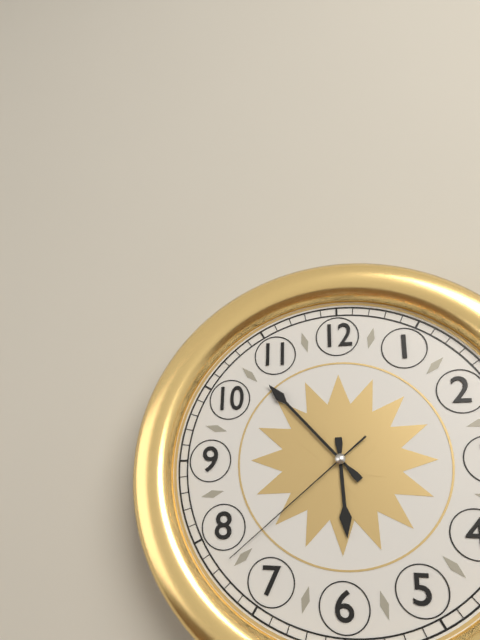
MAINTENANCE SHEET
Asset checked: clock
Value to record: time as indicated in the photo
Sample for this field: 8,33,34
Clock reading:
5,53,38
